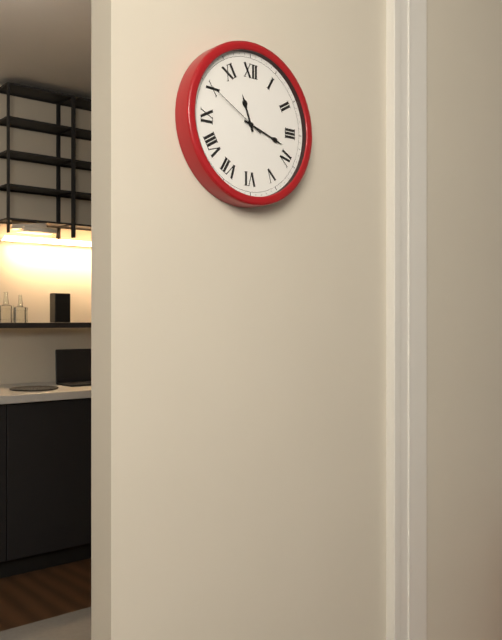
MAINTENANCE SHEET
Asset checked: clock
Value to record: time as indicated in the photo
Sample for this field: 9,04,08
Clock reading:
11,18,50
